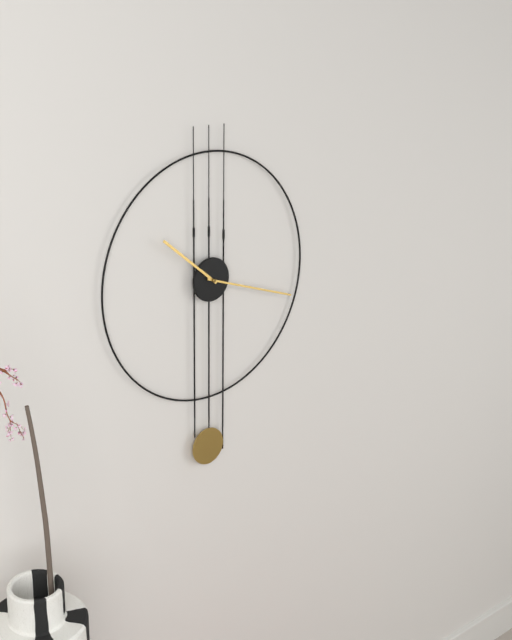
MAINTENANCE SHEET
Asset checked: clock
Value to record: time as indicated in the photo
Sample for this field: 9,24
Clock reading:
10,18
